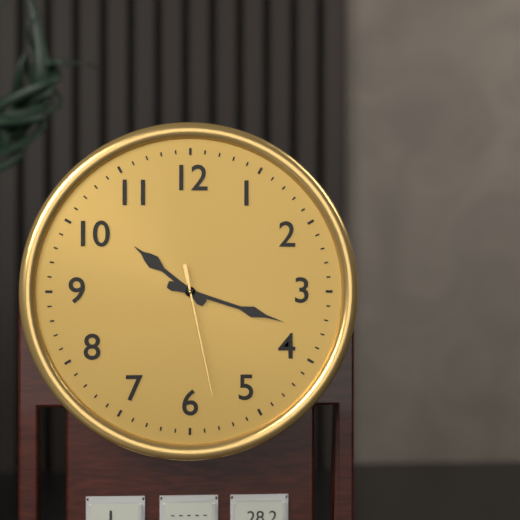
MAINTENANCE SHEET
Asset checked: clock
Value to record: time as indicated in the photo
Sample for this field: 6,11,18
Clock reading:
10,18,28
